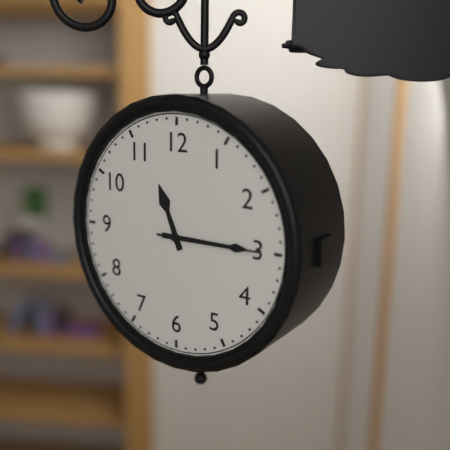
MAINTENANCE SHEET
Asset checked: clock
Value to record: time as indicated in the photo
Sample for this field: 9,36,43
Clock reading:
11,15,15
